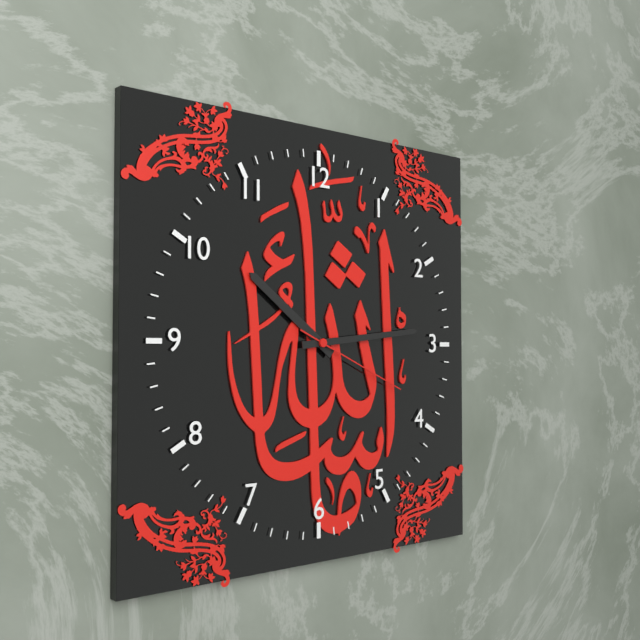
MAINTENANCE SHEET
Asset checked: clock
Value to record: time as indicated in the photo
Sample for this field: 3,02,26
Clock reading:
10,14,19
